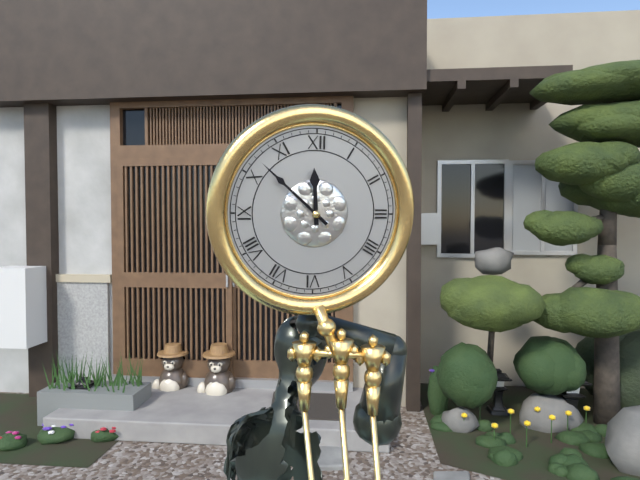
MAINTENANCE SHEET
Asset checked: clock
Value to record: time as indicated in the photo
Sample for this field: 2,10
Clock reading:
11,52
